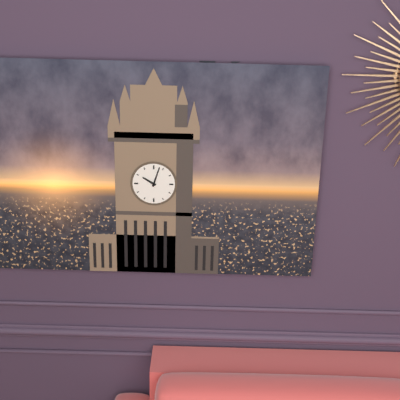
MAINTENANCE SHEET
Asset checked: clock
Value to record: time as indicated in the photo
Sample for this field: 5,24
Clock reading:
10,03
